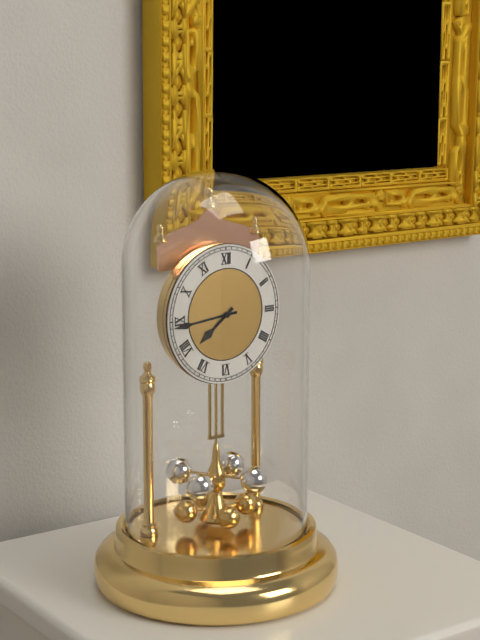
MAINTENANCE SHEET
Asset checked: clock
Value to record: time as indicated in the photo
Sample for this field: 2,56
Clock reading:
7,44
